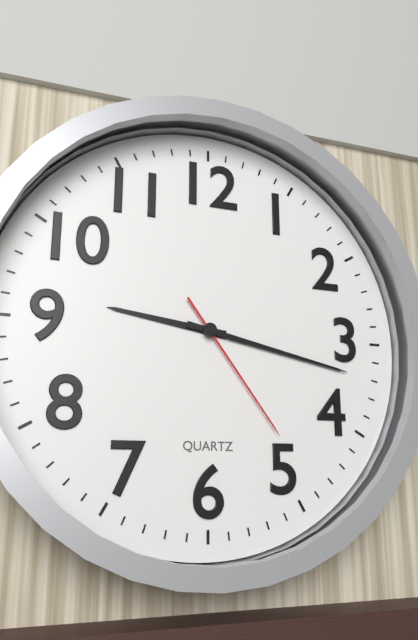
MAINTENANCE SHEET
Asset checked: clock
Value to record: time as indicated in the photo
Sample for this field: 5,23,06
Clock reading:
9,17,24
